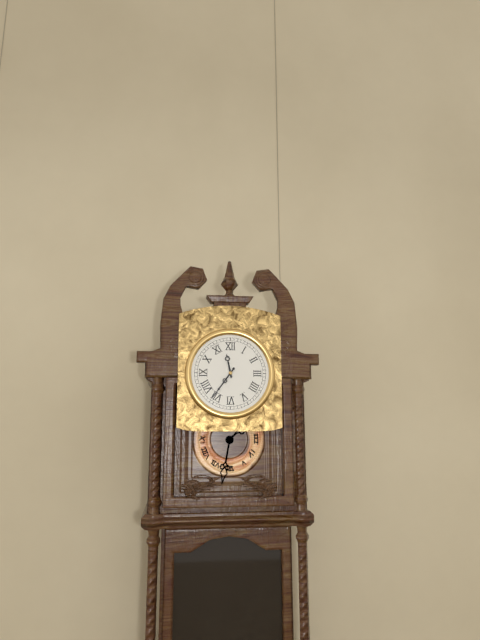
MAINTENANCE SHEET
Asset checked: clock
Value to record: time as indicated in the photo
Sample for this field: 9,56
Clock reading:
11,36
